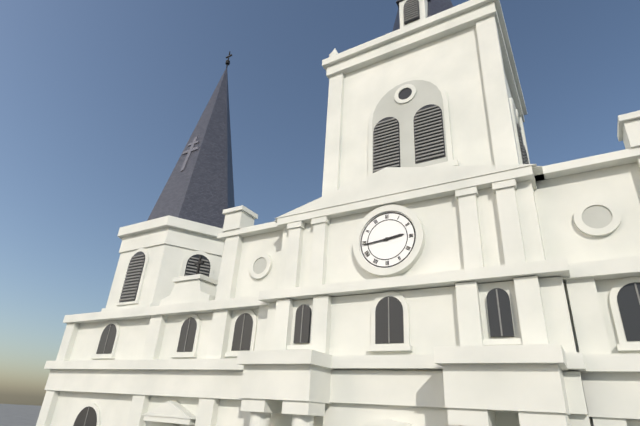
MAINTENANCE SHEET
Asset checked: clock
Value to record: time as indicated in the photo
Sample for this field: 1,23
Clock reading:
2,44
